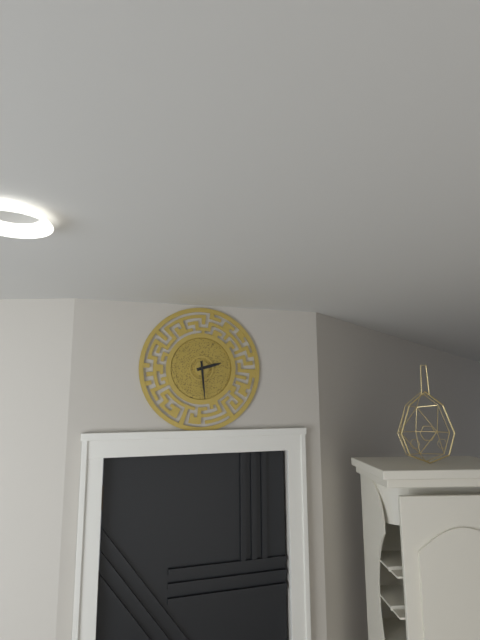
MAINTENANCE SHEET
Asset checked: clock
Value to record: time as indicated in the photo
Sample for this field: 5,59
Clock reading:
2,29
